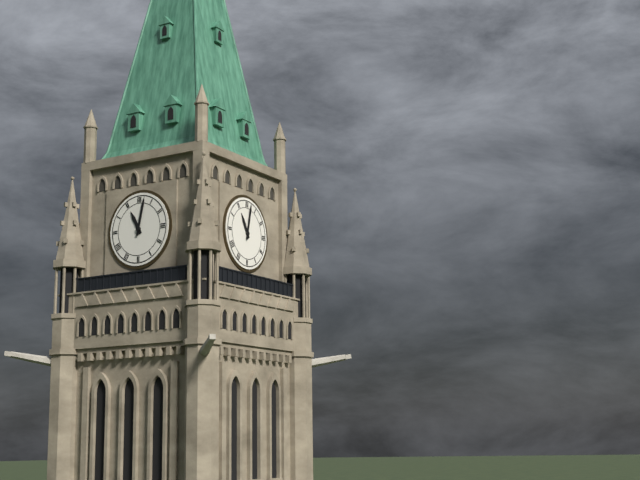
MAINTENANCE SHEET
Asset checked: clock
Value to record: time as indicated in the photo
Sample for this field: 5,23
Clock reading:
11,02
